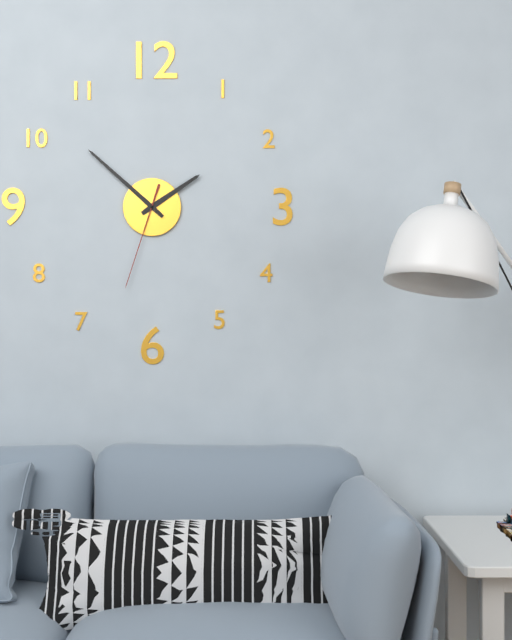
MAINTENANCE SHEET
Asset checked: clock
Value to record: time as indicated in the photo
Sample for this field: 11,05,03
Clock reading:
1,52,33
